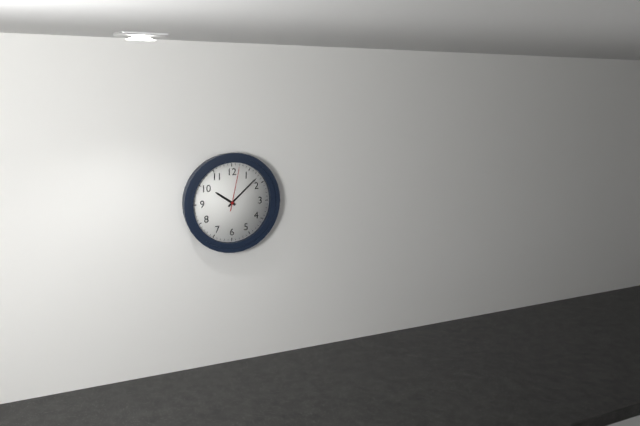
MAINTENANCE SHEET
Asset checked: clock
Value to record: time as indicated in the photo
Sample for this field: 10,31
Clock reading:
10,08
